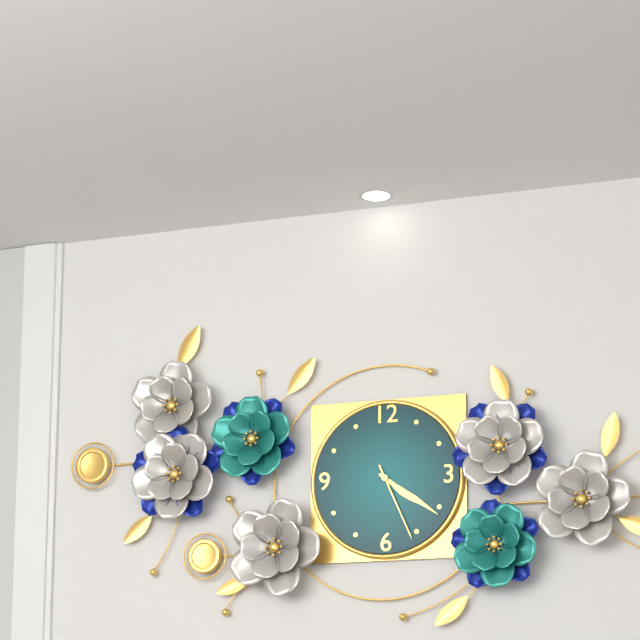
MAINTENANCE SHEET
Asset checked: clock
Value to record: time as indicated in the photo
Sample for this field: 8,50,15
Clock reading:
4,21,26
